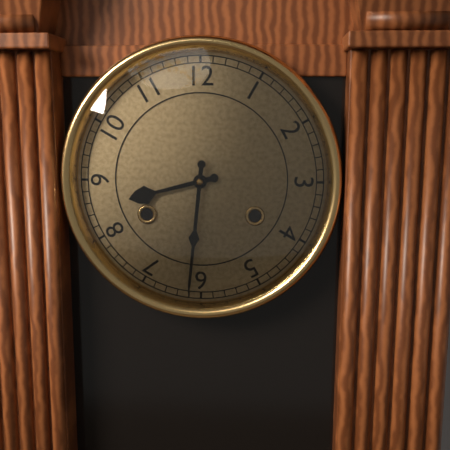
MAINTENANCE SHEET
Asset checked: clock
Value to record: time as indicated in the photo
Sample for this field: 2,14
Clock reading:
8,31
